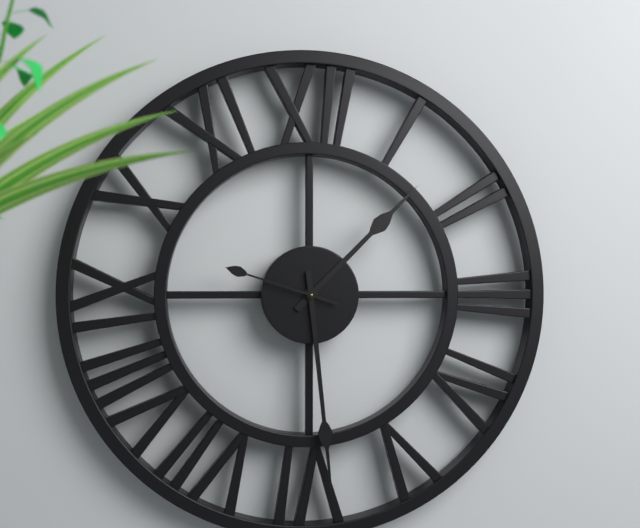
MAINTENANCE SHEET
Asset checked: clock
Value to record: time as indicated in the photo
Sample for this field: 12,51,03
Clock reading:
1,29,48
